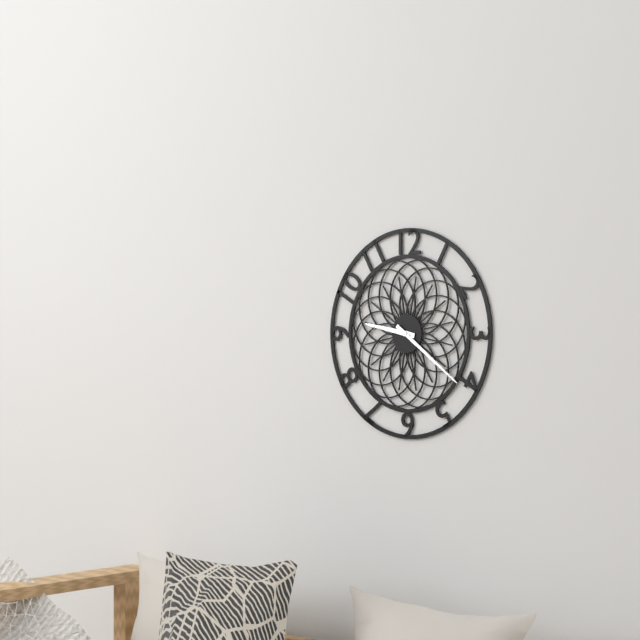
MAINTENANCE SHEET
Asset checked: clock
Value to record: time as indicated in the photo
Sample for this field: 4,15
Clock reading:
9,21
